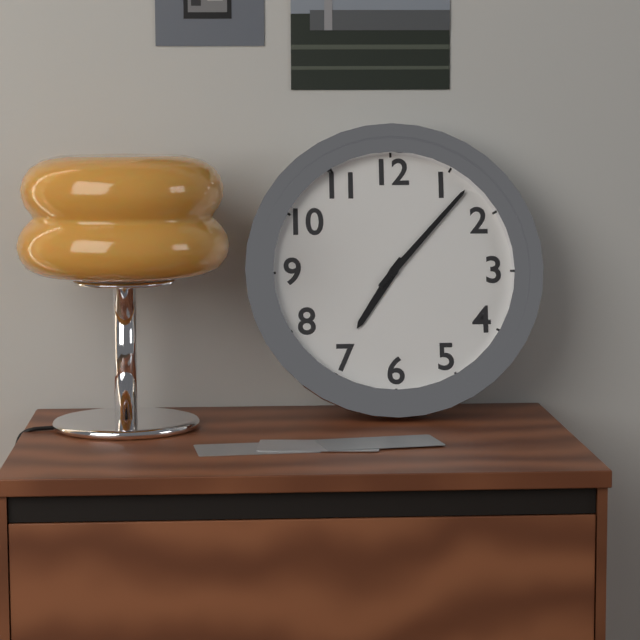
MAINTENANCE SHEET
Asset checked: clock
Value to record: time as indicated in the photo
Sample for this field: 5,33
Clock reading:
7,07
